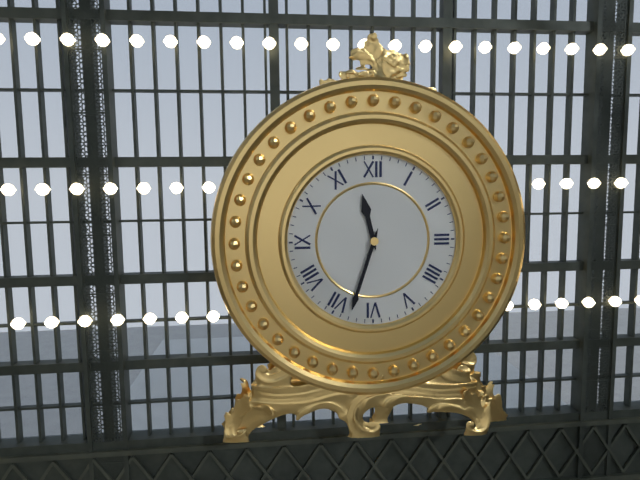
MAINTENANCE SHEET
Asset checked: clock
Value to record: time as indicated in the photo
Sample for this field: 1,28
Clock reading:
11,33
